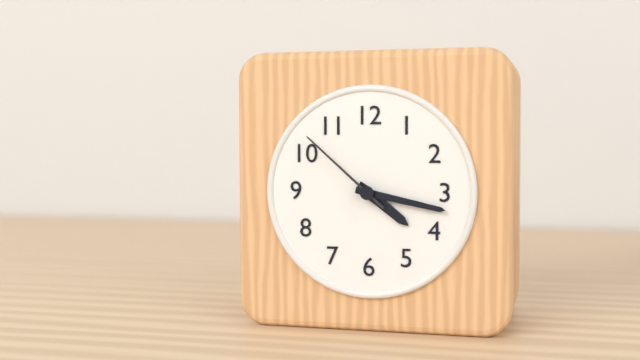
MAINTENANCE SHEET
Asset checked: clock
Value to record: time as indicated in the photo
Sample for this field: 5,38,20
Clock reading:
4,17,52
